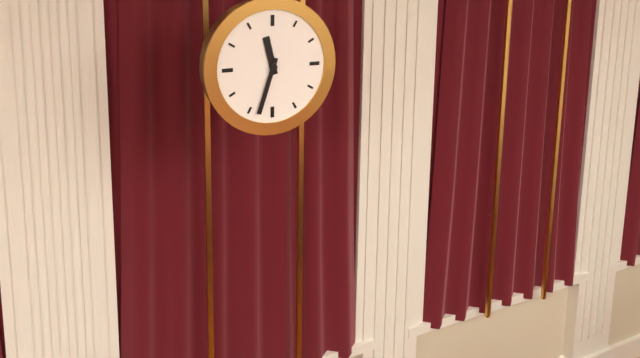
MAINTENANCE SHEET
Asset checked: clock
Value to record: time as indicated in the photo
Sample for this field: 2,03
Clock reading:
11,33
